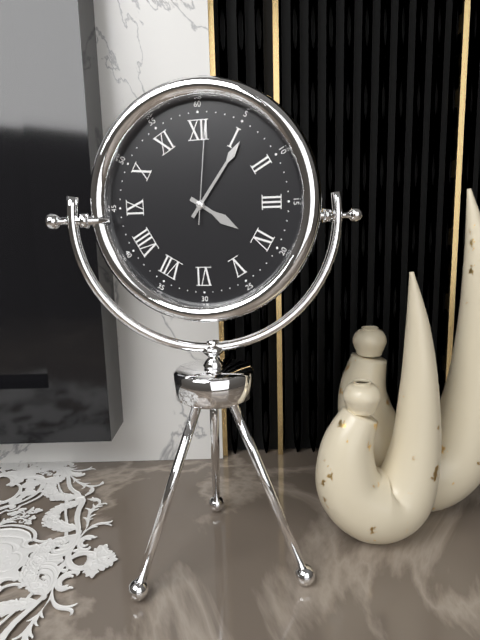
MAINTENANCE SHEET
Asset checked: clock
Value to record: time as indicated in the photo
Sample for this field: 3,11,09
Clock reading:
4,06,01
